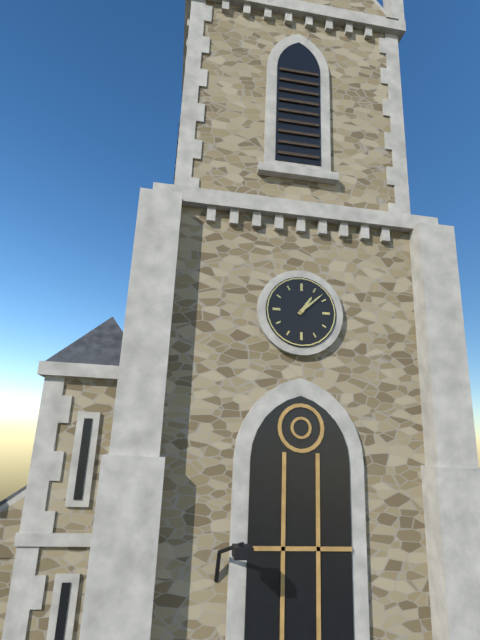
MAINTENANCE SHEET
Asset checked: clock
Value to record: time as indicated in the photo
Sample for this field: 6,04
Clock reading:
1,08
